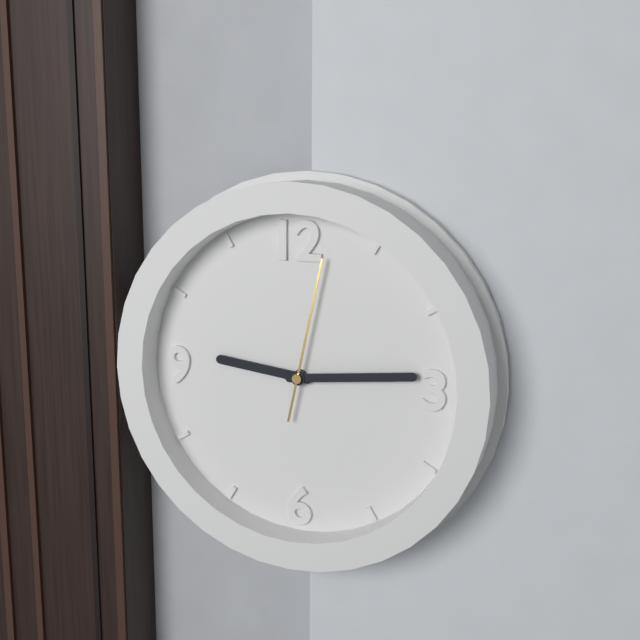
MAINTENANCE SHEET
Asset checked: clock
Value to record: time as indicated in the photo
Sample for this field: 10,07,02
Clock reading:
9,14,02
